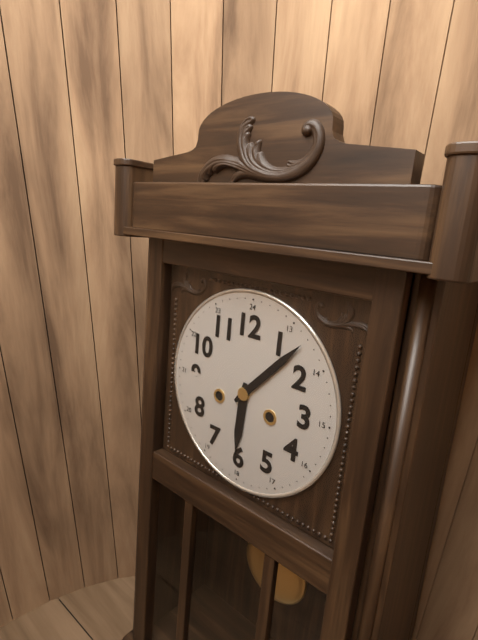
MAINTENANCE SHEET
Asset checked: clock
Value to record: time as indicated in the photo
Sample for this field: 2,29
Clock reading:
6,07
